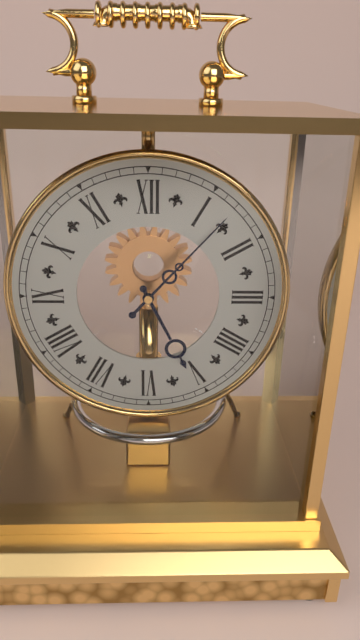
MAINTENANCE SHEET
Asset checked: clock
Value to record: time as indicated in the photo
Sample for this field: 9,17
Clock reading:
5,07
